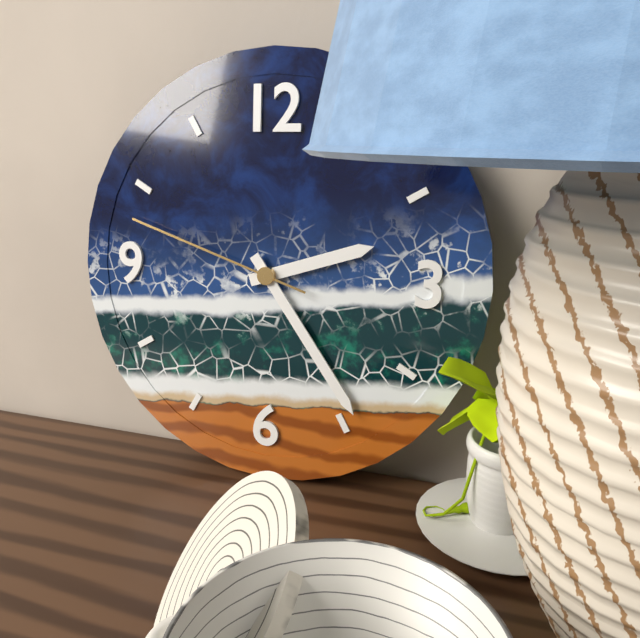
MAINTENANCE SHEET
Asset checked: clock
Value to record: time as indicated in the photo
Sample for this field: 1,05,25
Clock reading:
2,24,48
